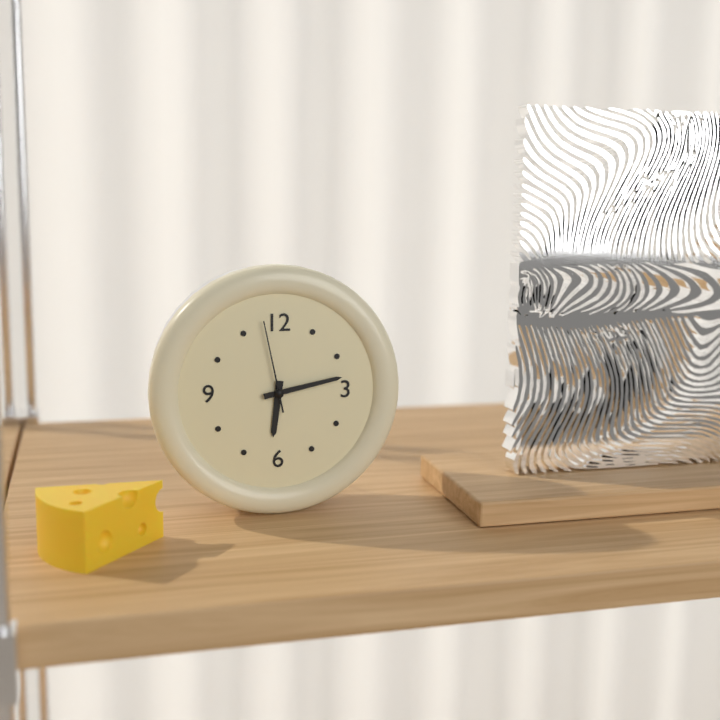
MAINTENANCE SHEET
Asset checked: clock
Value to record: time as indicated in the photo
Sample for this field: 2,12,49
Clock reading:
6,13,58
